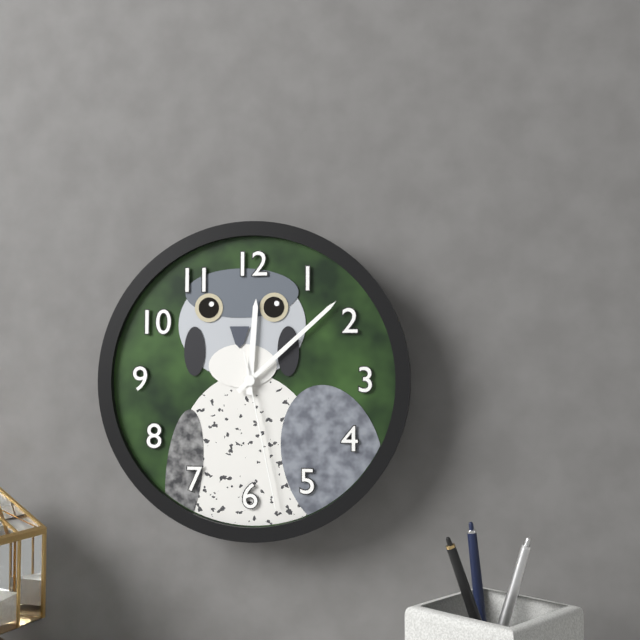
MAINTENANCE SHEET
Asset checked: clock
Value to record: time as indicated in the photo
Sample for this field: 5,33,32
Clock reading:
12,08,28
